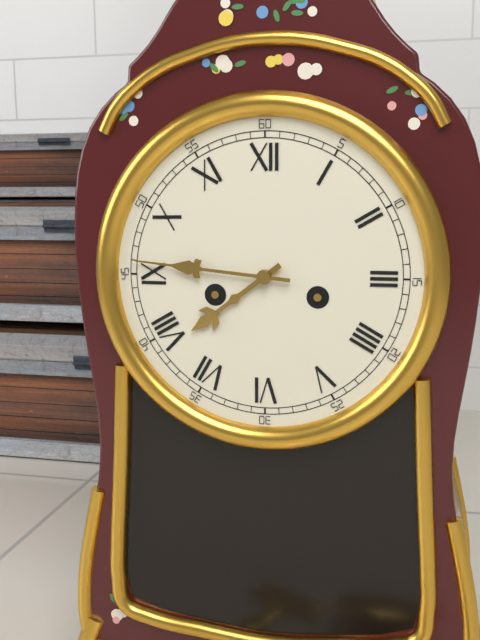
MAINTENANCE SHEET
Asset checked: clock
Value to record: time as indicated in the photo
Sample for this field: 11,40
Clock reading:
7,46
